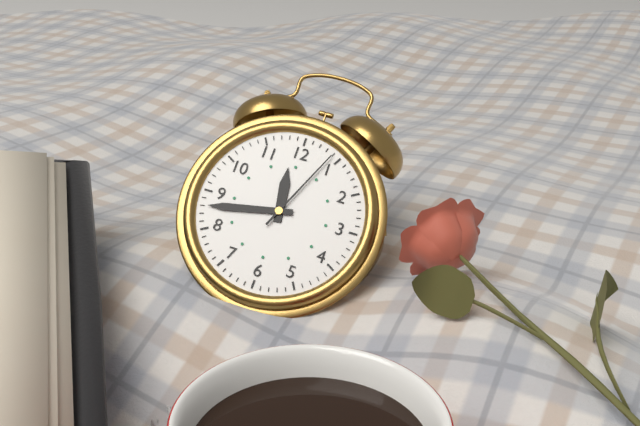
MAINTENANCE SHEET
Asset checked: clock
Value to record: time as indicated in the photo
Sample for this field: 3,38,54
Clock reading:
11,43,04
